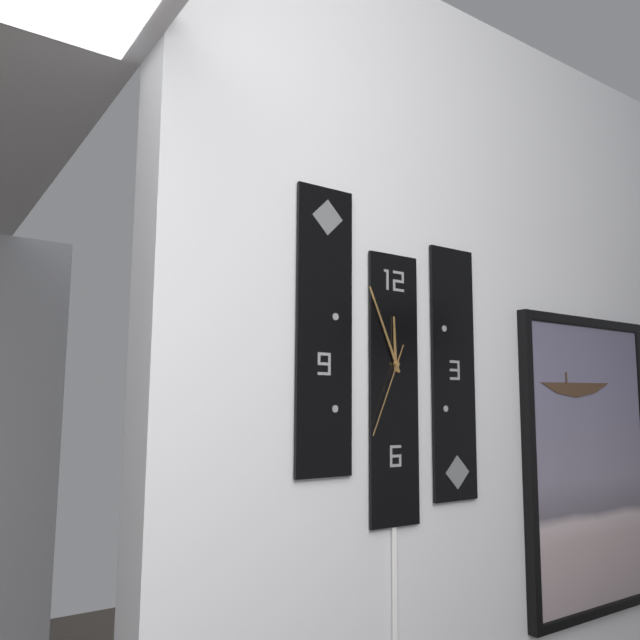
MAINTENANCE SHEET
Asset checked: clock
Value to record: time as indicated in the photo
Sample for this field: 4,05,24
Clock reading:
11,56,34
